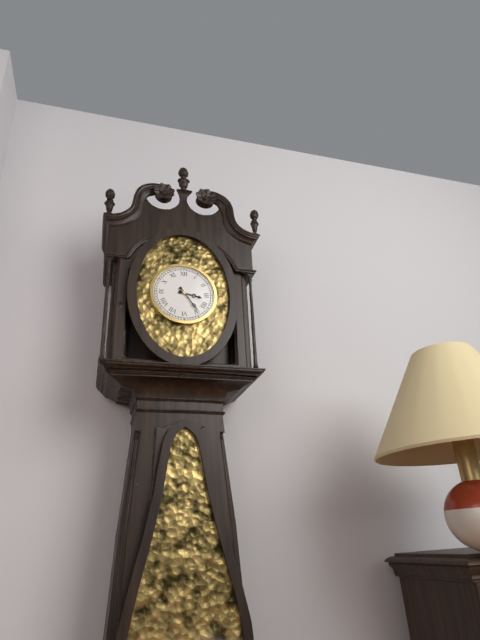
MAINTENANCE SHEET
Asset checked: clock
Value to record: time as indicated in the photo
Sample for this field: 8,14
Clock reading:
3,24
